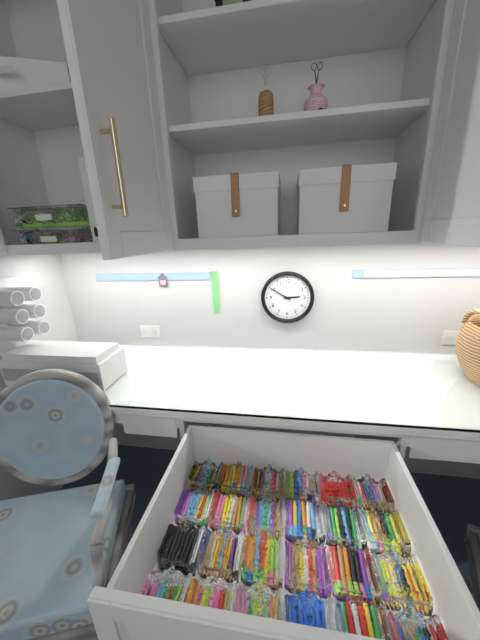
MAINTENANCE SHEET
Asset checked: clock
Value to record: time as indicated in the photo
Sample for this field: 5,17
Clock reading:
2,50
